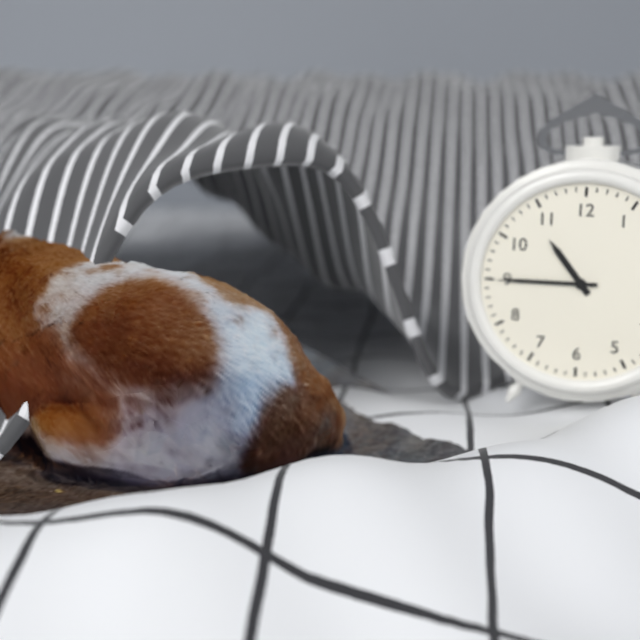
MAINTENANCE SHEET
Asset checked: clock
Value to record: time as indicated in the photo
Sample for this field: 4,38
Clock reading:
10,45
